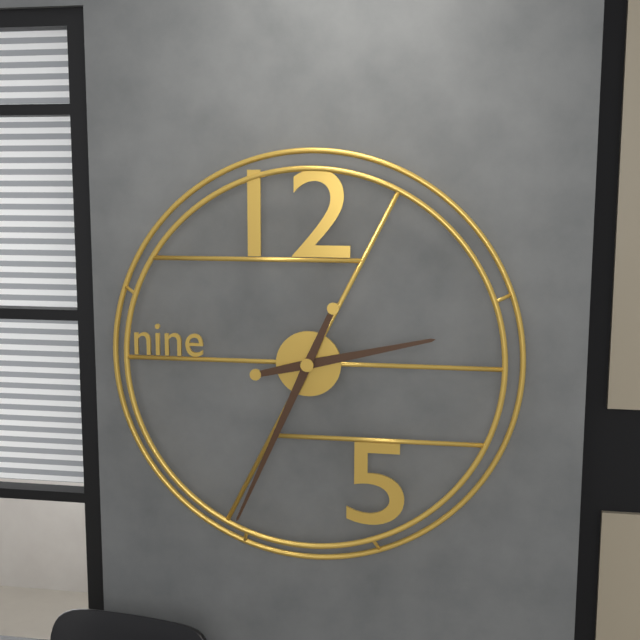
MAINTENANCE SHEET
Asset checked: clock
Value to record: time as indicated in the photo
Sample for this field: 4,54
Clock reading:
2,34
